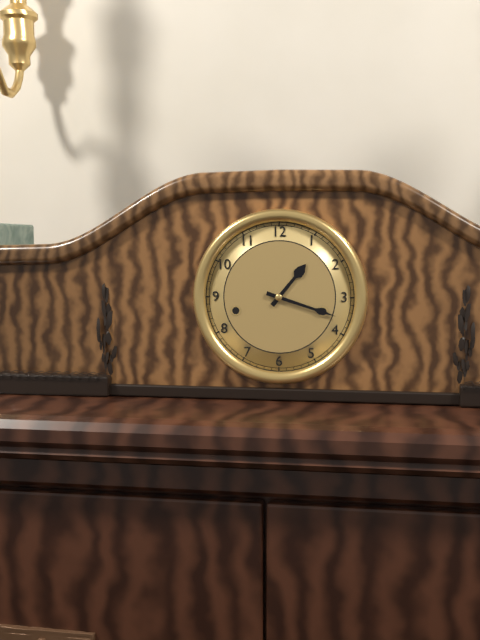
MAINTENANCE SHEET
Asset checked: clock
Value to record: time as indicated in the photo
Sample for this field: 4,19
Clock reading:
1,18
